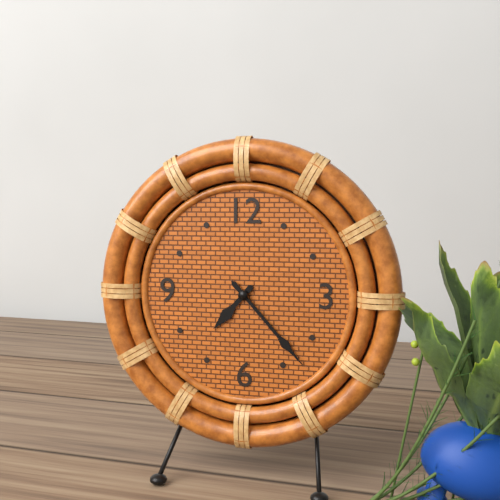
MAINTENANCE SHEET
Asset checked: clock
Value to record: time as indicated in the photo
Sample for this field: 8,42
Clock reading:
7,23
